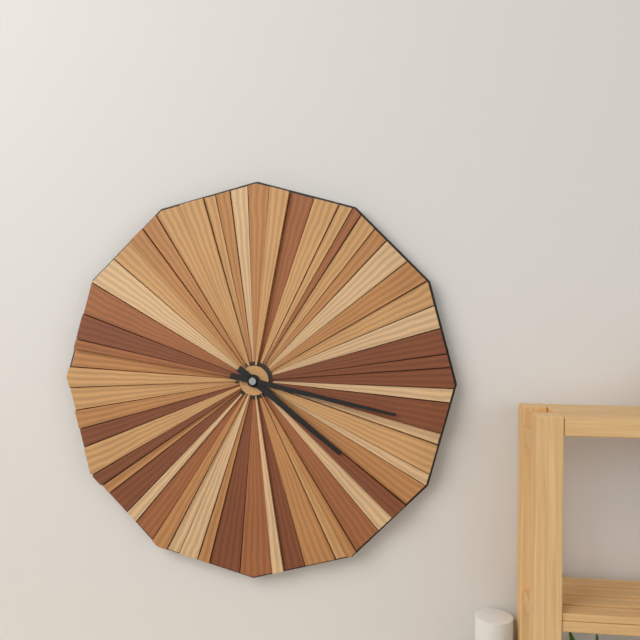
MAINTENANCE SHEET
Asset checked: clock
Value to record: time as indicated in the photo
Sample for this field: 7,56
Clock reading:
4,17
